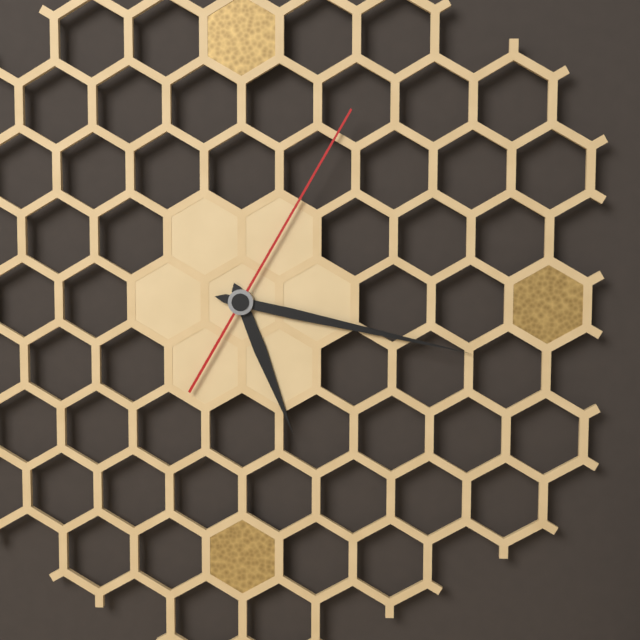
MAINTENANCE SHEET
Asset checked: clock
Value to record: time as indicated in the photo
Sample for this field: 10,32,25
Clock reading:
5,17,05
